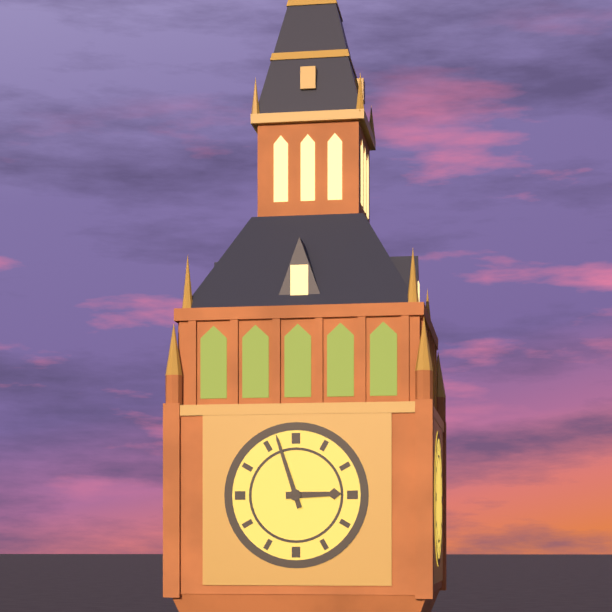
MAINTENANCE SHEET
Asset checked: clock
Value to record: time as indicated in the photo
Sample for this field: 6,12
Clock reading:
2,57
